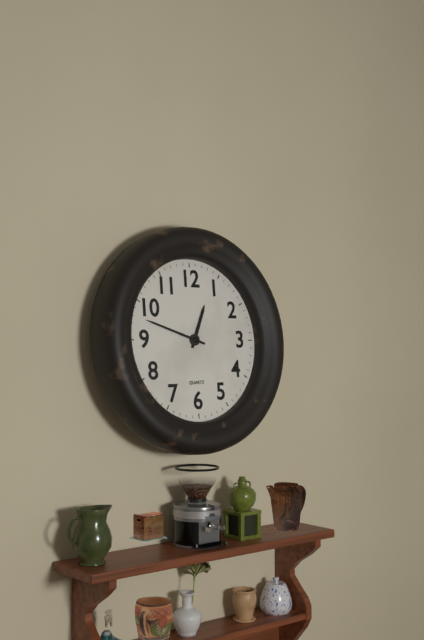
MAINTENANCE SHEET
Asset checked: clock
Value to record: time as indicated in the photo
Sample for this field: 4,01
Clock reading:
12,48
